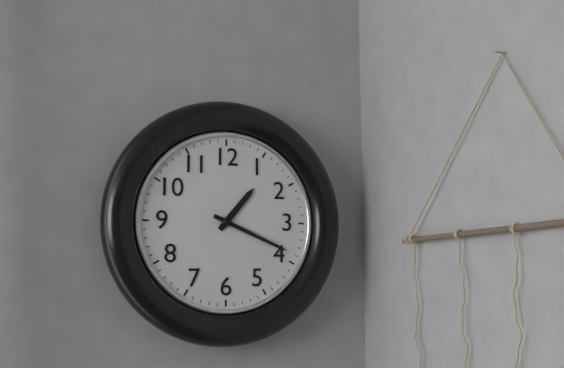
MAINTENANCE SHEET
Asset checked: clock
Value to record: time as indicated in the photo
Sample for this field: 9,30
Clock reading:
1,19
